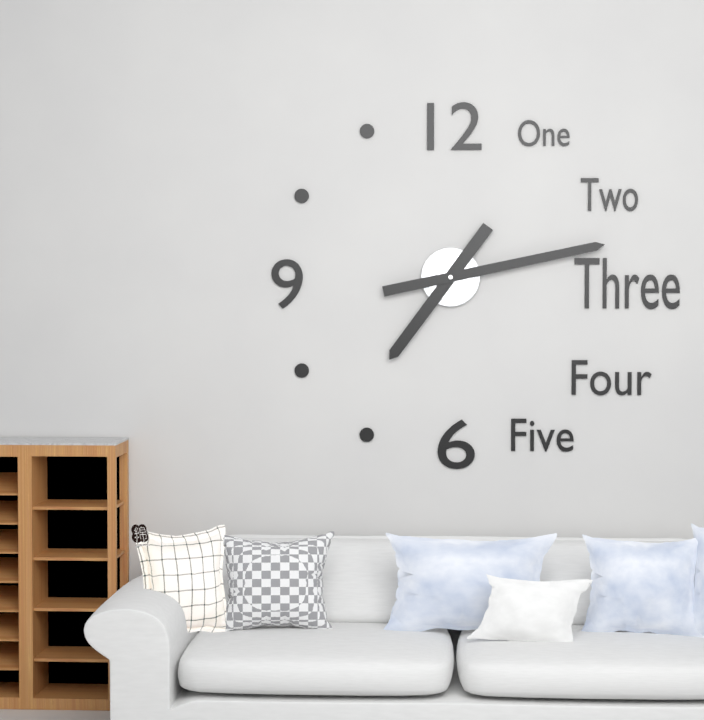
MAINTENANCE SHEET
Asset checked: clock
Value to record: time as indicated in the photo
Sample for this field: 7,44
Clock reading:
7,13
